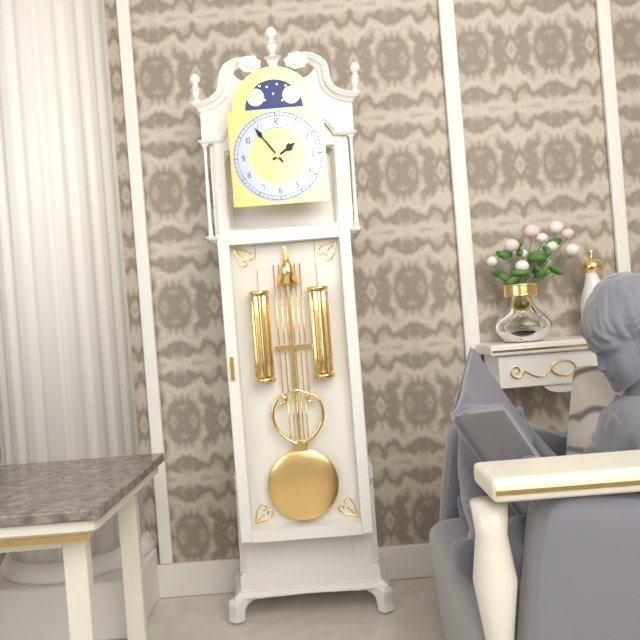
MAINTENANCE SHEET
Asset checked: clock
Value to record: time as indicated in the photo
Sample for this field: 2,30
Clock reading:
1,54
